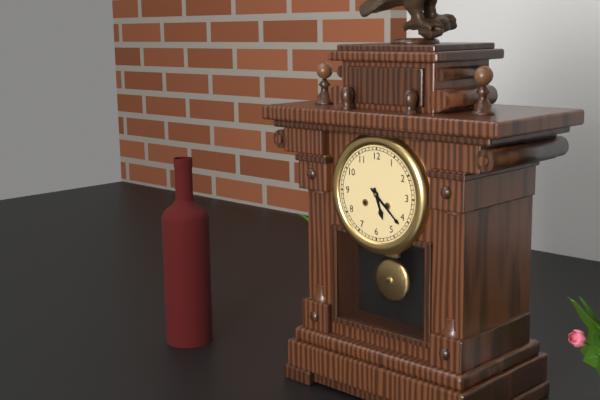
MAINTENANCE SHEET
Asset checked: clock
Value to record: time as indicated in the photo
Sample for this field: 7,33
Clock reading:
5,22
